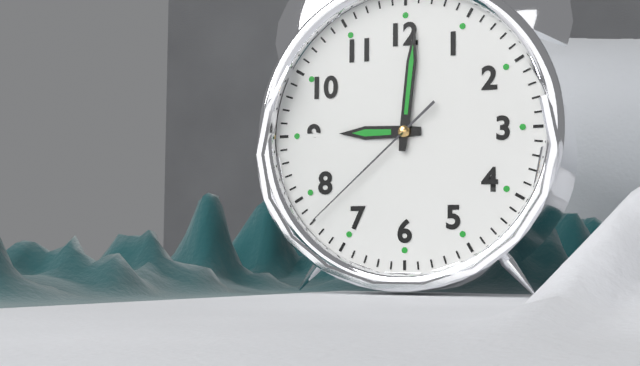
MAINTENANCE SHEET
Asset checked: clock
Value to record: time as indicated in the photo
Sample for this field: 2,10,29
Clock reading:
9,01,38
